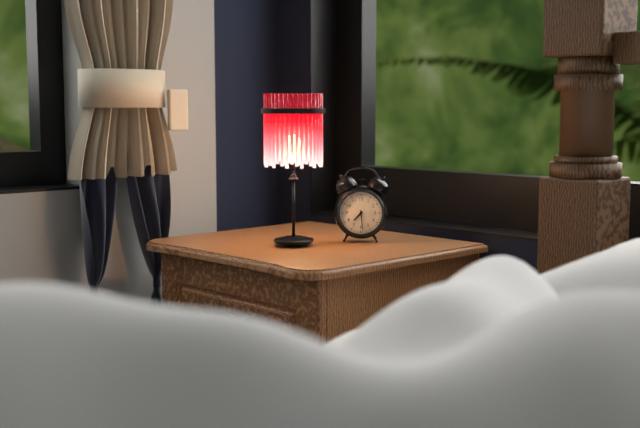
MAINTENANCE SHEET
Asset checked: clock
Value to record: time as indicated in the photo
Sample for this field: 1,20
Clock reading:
7,29
